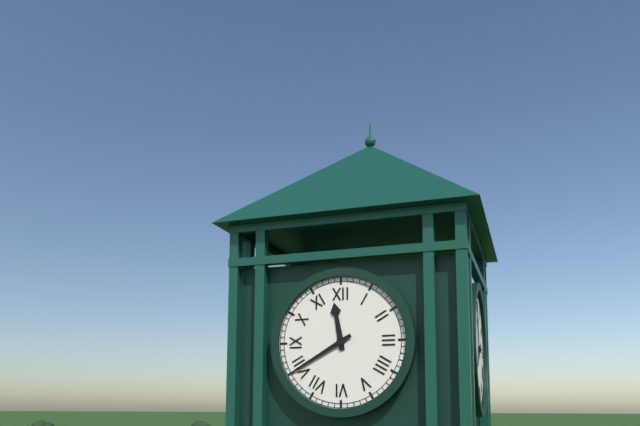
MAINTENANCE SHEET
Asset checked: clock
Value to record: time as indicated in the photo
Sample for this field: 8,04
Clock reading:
11,40
